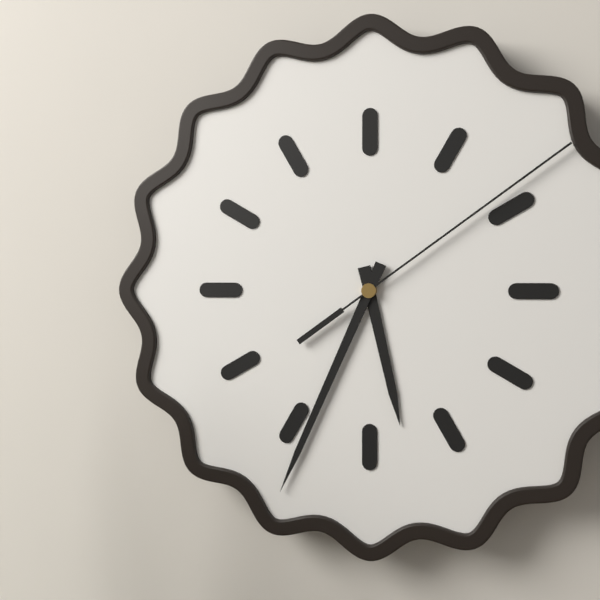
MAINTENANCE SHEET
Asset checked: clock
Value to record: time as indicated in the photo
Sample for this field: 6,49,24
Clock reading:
5,34,09
